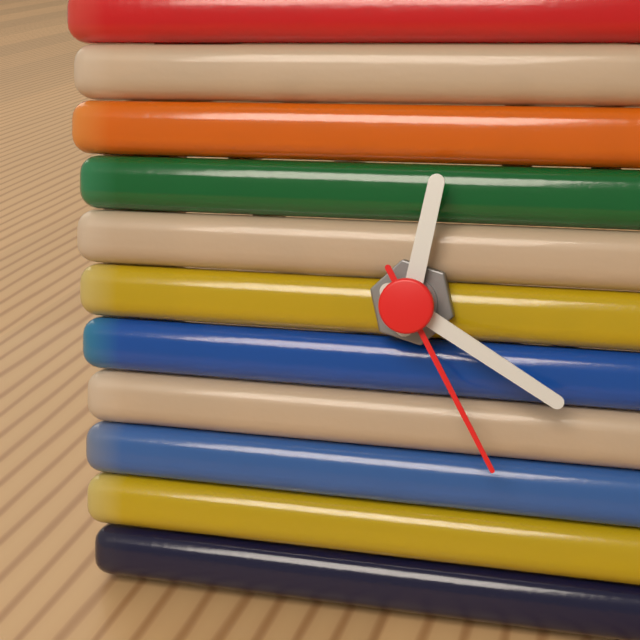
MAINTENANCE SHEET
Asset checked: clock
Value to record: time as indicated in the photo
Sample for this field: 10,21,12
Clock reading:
12,20,25
